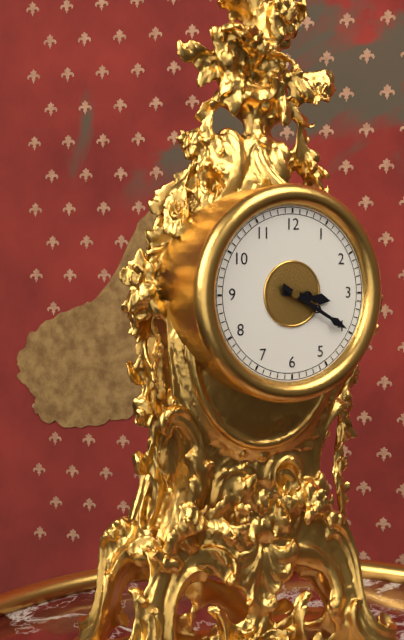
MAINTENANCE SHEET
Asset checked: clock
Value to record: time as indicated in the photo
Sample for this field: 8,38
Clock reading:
3,20
